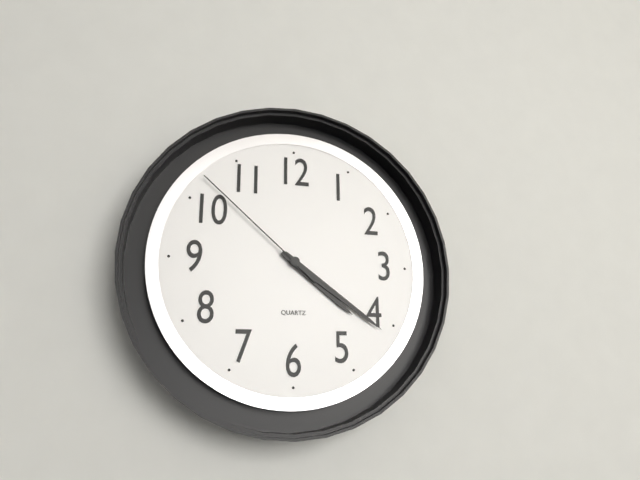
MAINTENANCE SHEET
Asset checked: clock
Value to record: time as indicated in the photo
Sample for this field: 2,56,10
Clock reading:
4,21,52
